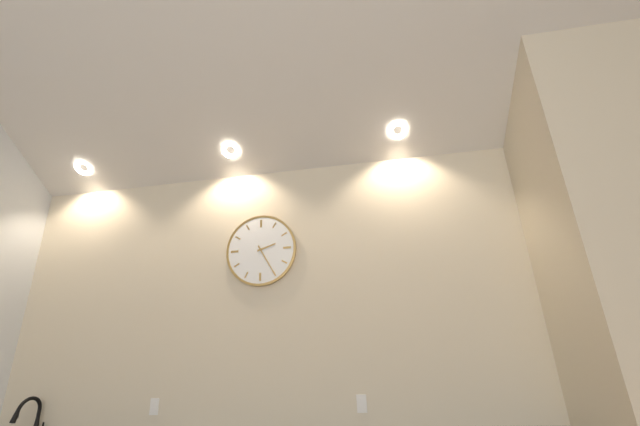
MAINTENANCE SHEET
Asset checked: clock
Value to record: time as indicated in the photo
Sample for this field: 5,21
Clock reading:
2,25
